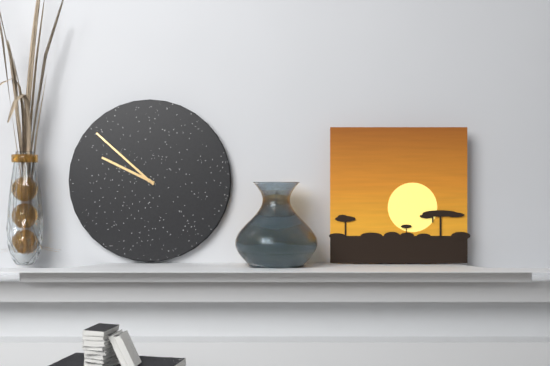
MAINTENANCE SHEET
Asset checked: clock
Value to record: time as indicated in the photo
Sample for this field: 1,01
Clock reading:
9,52
